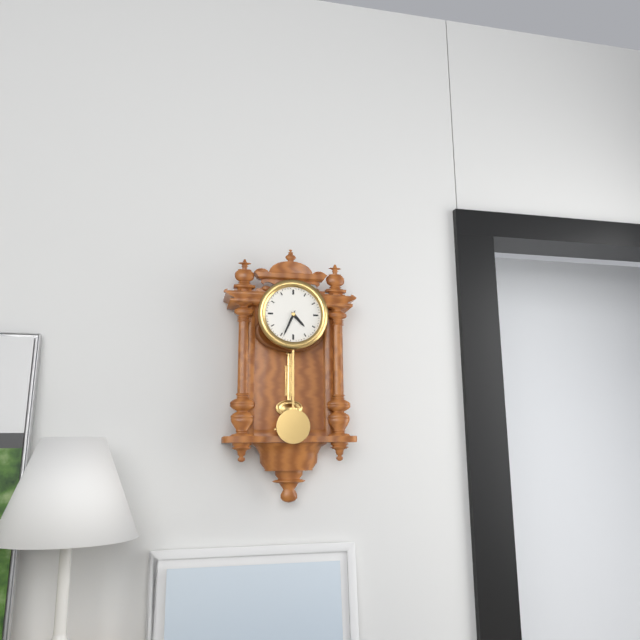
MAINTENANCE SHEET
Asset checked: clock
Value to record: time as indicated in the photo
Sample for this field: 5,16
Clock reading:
4,34
